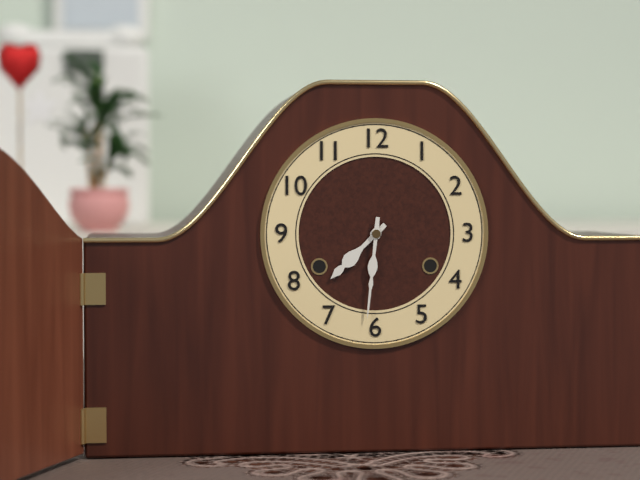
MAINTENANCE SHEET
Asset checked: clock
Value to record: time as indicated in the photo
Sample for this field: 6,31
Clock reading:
7,31
